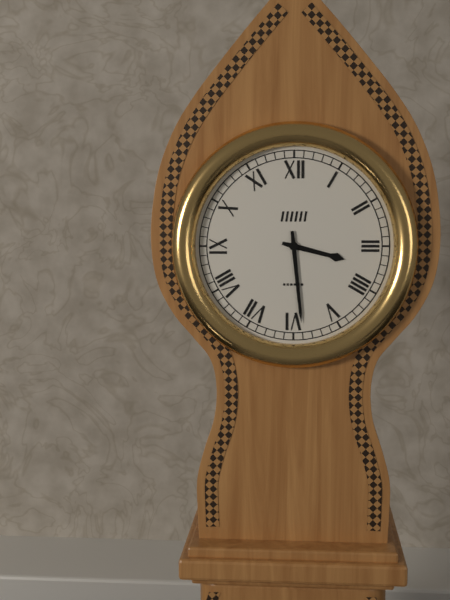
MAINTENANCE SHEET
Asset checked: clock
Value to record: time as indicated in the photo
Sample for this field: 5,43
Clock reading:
3,29
